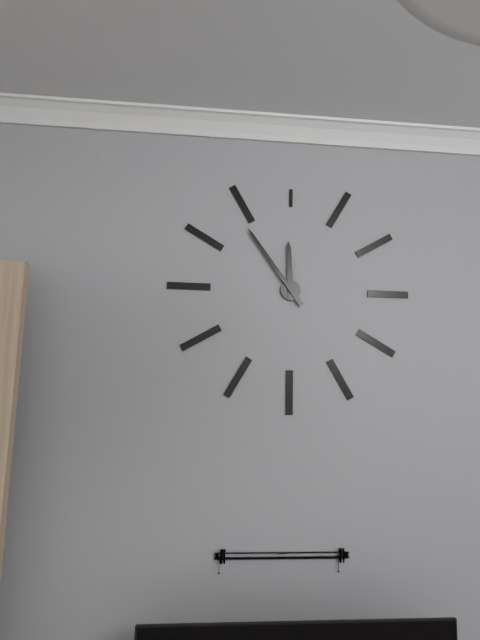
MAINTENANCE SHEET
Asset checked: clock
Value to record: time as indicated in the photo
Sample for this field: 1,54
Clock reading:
11,54
